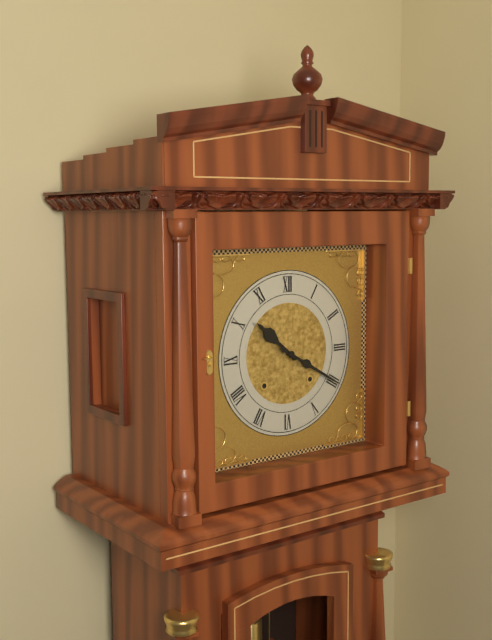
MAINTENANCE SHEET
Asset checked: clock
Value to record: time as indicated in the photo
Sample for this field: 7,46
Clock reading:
10,20
